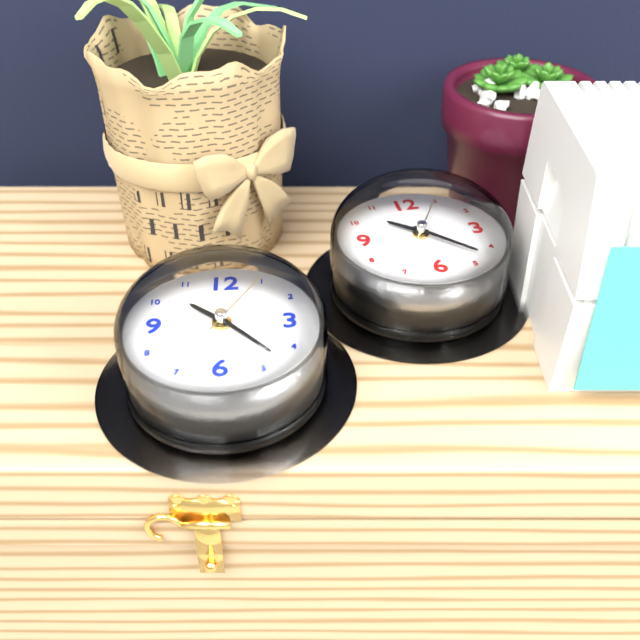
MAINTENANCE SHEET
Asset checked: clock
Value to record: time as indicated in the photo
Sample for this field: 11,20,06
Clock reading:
10,23,05
